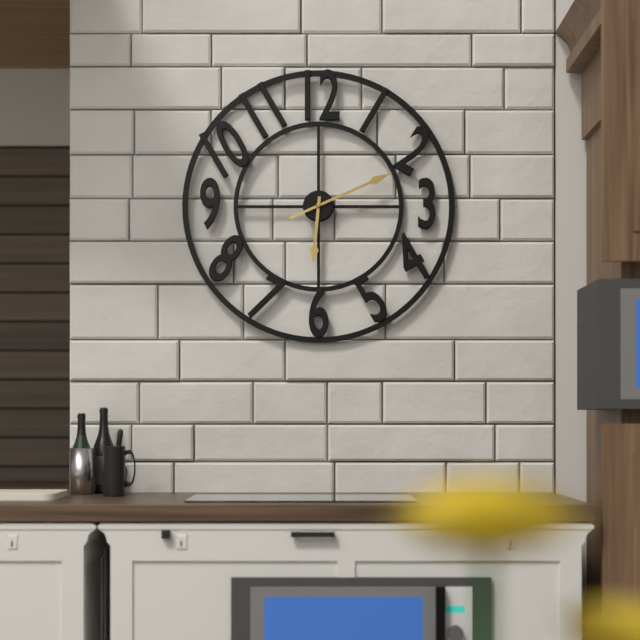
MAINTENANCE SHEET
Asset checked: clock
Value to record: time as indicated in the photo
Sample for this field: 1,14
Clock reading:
6,11
